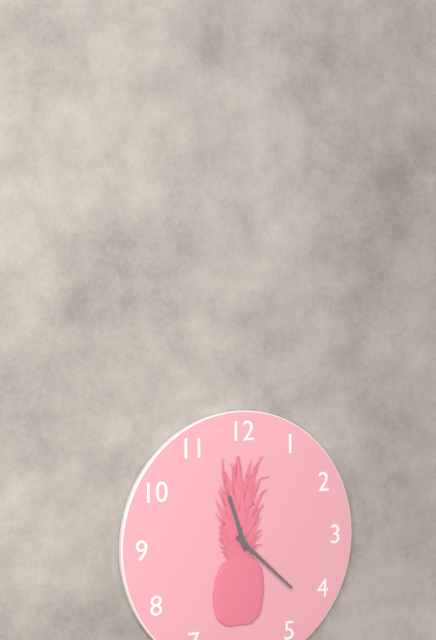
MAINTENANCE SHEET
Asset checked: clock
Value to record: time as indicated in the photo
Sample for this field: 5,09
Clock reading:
11,22
